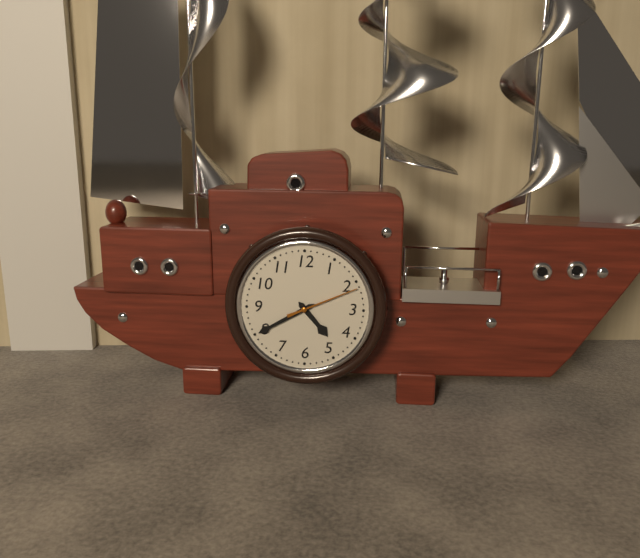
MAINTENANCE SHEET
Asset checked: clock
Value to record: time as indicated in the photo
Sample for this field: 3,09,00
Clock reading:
4,40,11
